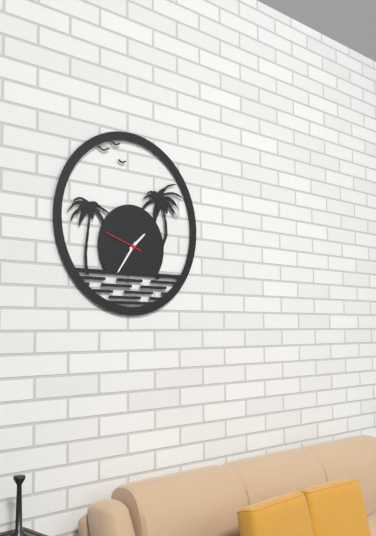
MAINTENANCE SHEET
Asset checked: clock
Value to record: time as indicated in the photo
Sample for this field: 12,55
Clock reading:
1,36
